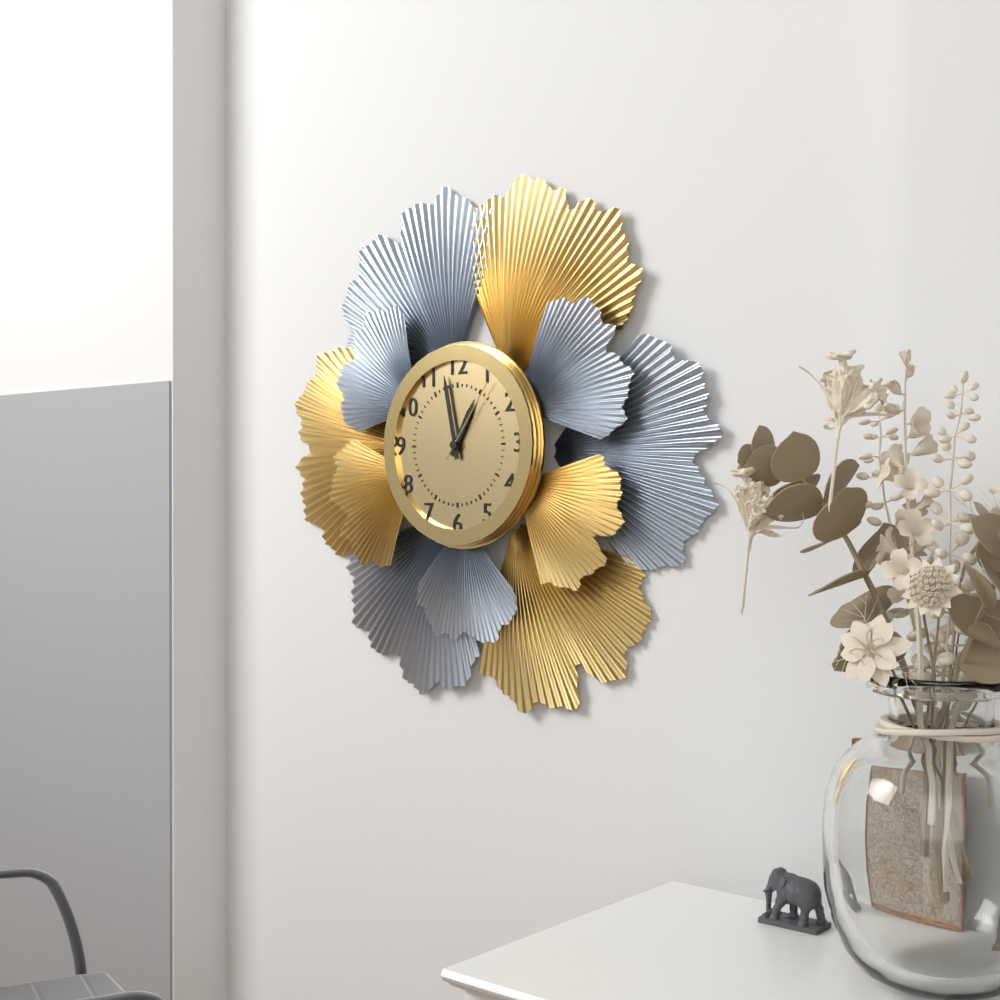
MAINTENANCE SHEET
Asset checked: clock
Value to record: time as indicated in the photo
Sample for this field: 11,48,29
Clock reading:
12,58,06
